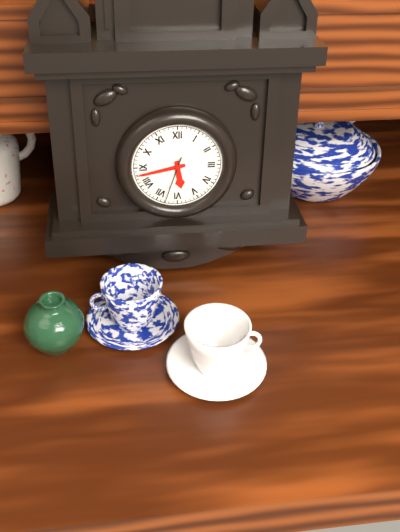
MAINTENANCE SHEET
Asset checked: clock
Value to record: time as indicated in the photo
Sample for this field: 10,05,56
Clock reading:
5,43,33
